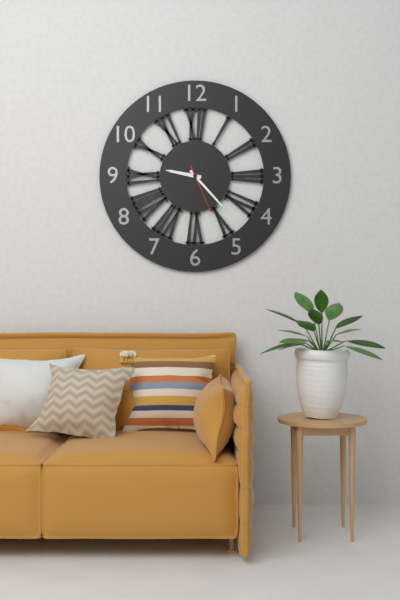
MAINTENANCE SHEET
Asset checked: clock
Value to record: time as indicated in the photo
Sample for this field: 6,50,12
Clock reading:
9,23,26
